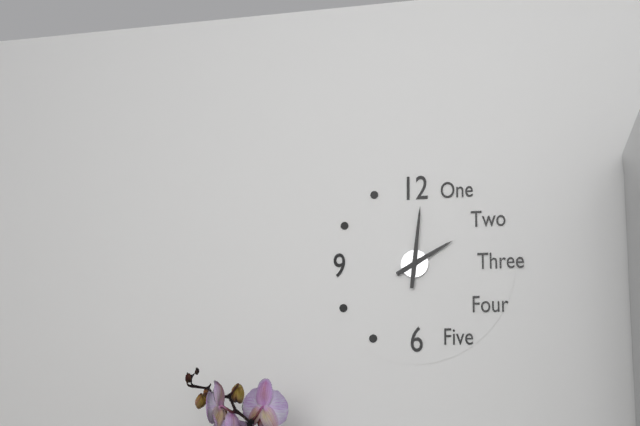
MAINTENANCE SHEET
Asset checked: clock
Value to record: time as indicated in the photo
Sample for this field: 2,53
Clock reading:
2,01
